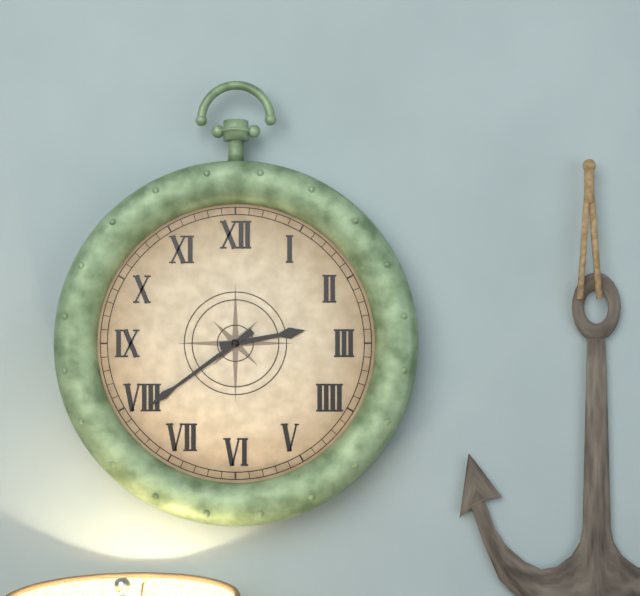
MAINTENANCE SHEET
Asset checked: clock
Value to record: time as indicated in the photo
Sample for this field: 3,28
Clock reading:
2,39
